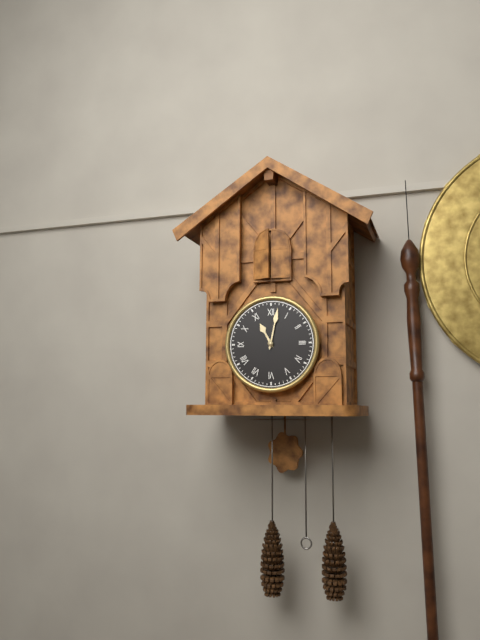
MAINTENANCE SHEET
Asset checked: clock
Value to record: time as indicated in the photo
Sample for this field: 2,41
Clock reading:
11,02
